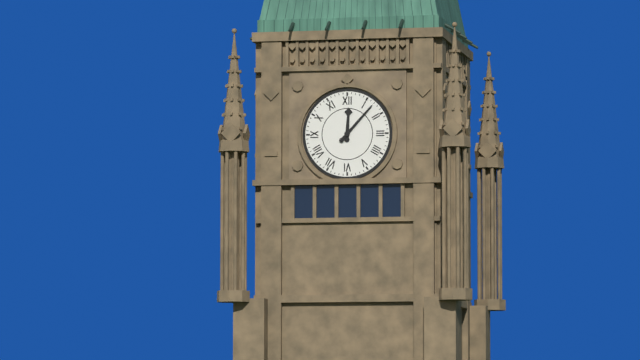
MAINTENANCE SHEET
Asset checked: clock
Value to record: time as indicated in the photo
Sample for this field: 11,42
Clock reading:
12,07
